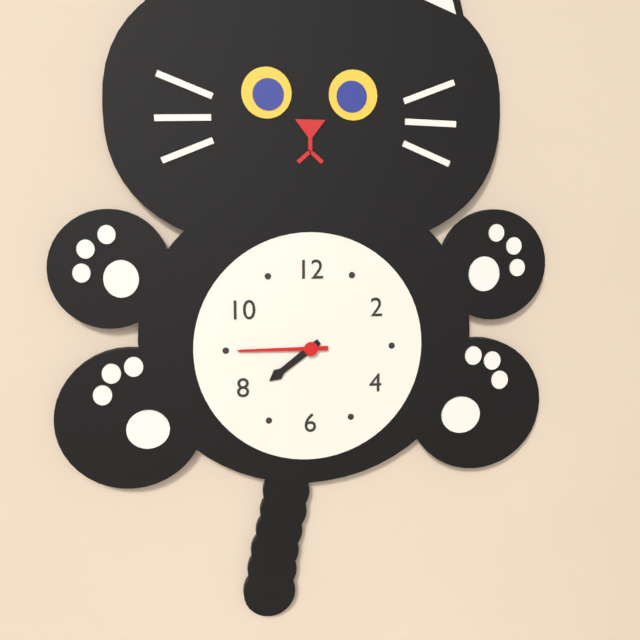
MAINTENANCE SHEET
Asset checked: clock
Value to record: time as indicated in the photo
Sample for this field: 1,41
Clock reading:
7,45
